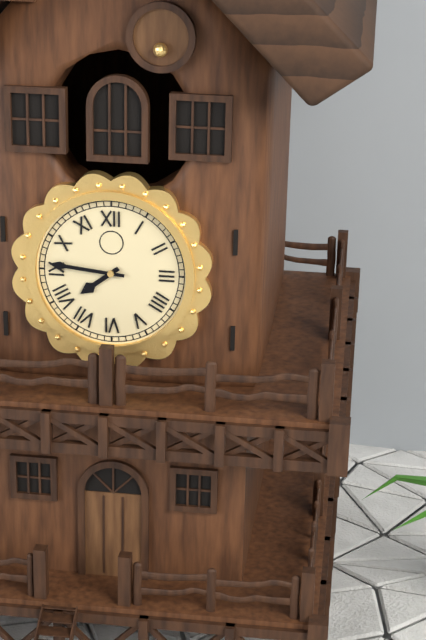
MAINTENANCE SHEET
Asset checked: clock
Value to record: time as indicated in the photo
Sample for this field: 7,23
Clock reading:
7,46
